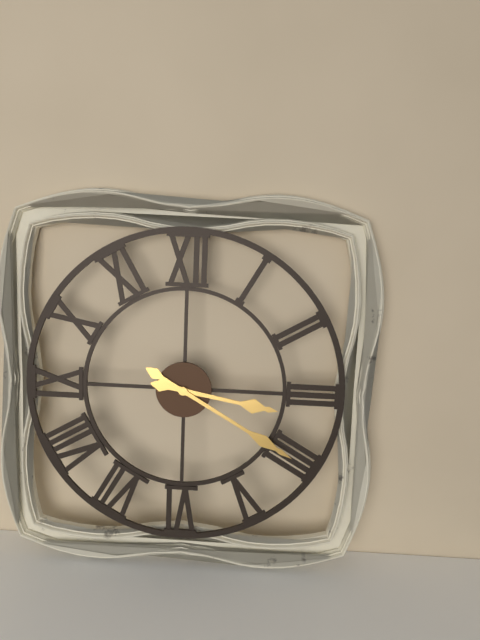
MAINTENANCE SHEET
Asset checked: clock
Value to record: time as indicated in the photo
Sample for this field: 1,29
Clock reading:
3,20
